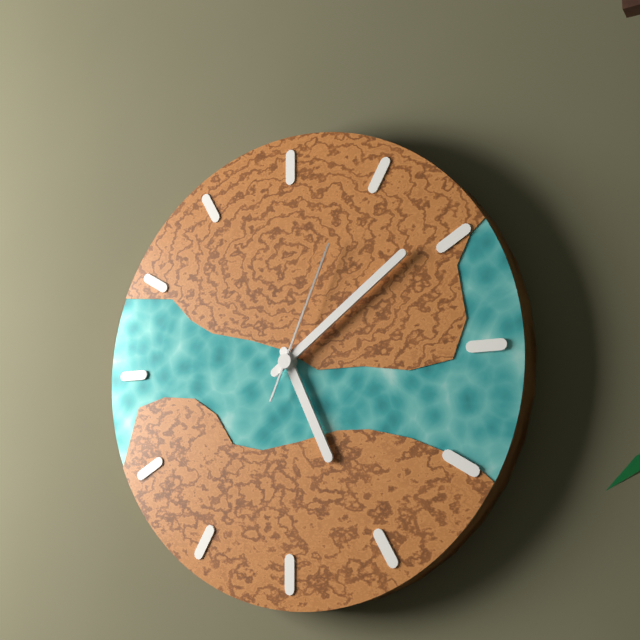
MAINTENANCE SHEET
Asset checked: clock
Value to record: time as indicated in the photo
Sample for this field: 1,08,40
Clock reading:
5,09,04
